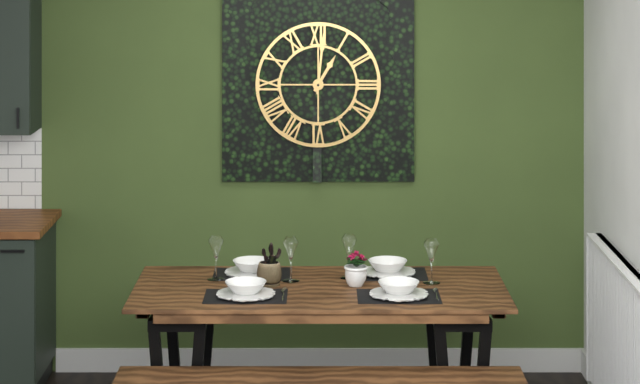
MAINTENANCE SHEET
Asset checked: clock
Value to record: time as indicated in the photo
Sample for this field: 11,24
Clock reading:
1,01
